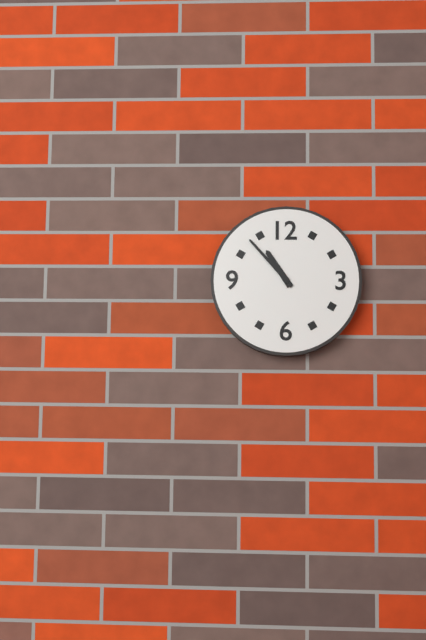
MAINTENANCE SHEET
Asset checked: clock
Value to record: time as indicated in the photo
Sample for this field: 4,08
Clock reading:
10,53
